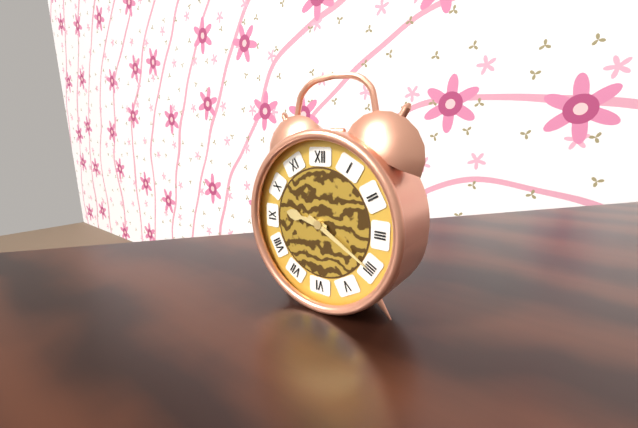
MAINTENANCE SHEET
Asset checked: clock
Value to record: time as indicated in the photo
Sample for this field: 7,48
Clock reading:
9,20
